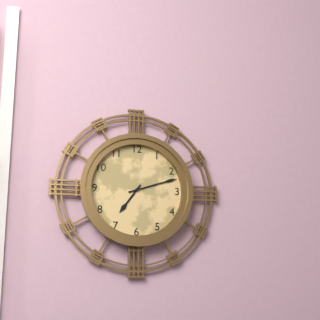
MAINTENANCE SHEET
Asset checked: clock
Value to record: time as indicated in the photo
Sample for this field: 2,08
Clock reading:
7,12
